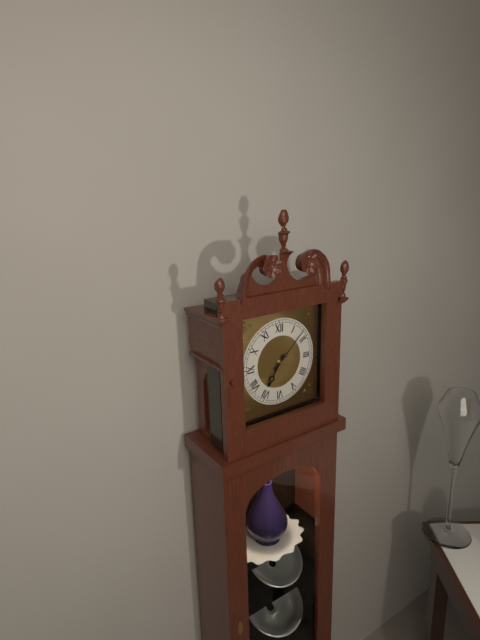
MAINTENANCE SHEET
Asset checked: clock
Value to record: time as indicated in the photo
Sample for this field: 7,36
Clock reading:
7,08
